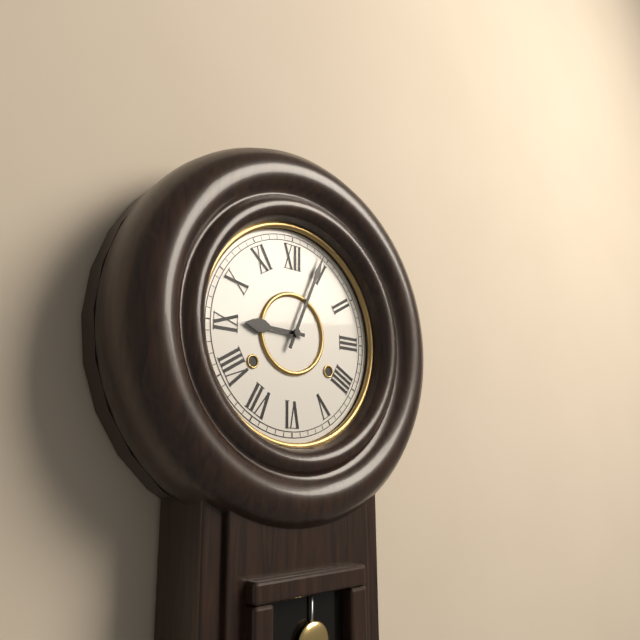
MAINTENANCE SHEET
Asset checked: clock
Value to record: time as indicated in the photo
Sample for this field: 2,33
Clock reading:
9,04
